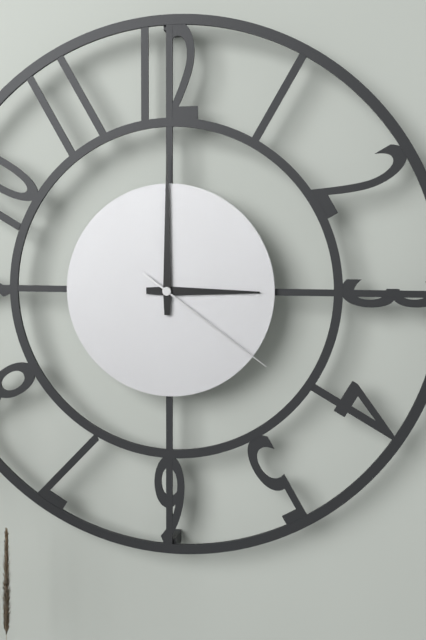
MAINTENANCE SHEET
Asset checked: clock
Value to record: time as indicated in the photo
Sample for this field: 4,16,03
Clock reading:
3,00,21
